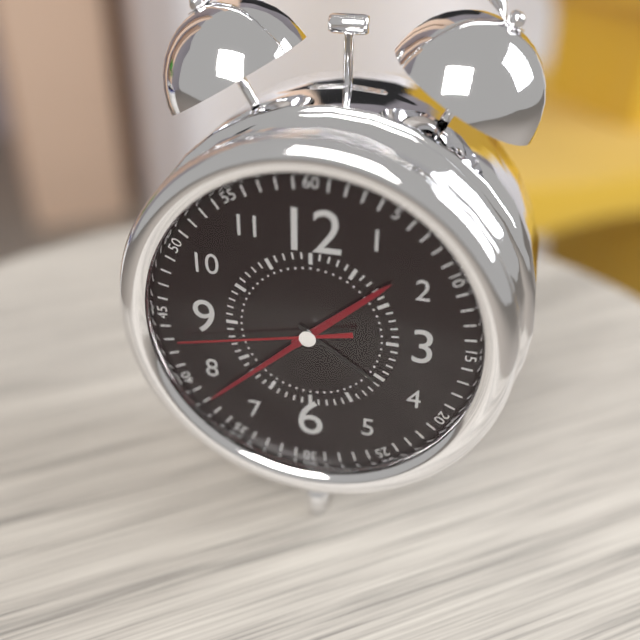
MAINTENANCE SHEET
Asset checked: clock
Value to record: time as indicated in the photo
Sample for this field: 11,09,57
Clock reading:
1,38,43
